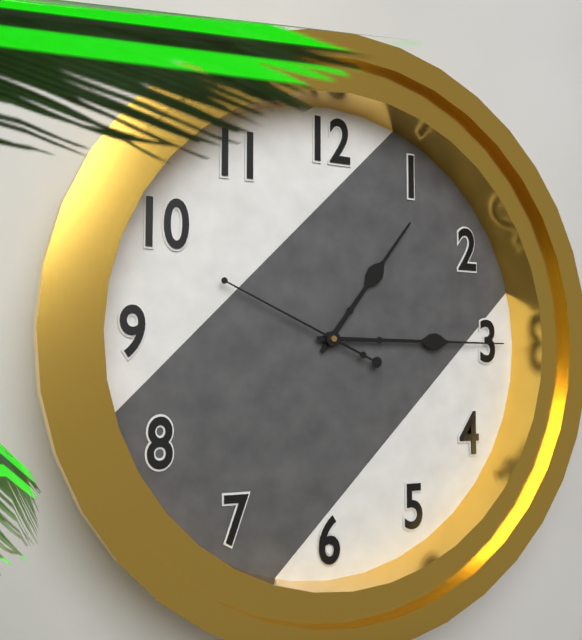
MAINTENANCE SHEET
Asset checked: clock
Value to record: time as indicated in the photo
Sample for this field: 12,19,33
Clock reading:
1,15,49
